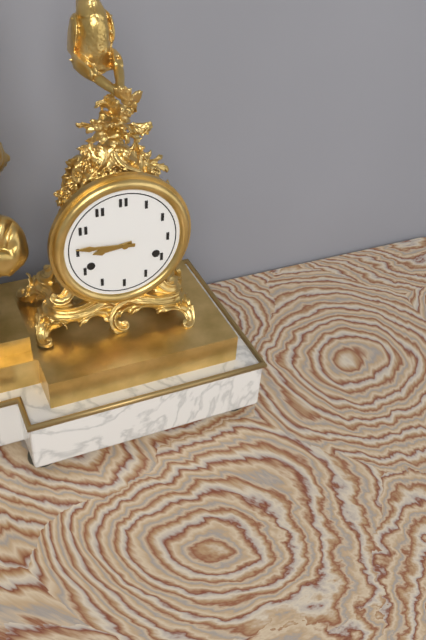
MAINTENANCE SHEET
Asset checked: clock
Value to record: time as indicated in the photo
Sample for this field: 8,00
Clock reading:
8,46
